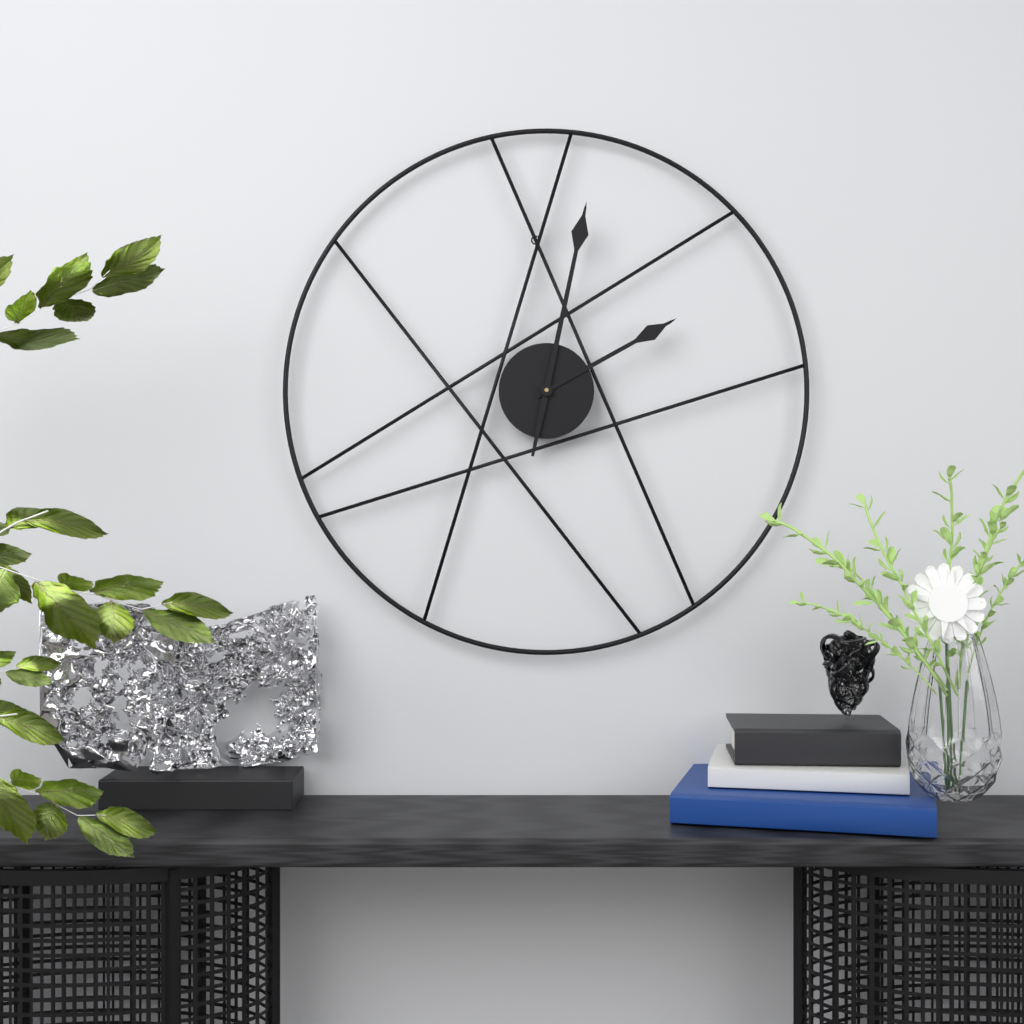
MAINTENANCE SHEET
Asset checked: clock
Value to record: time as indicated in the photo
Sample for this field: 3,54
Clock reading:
2,02
